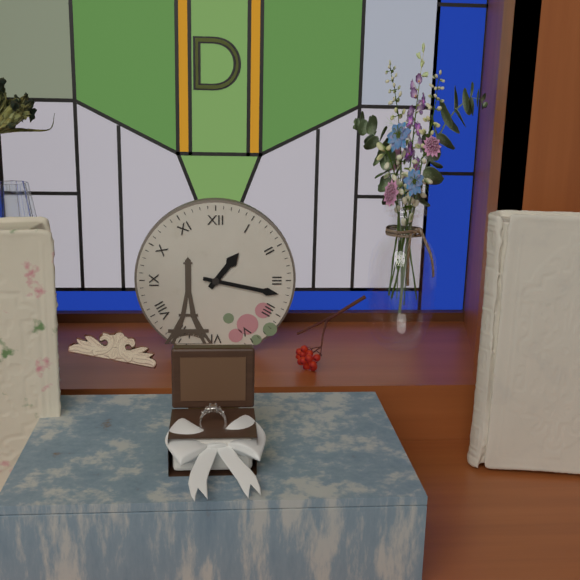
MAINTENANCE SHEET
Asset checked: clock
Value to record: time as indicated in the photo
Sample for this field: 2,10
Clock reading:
1,17
